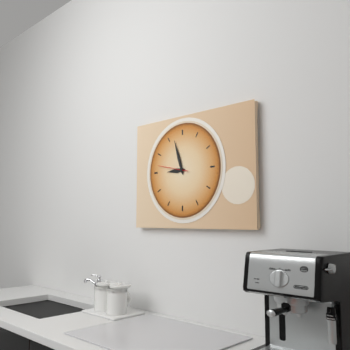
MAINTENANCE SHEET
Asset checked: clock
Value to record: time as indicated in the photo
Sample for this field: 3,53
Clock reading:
8,57
